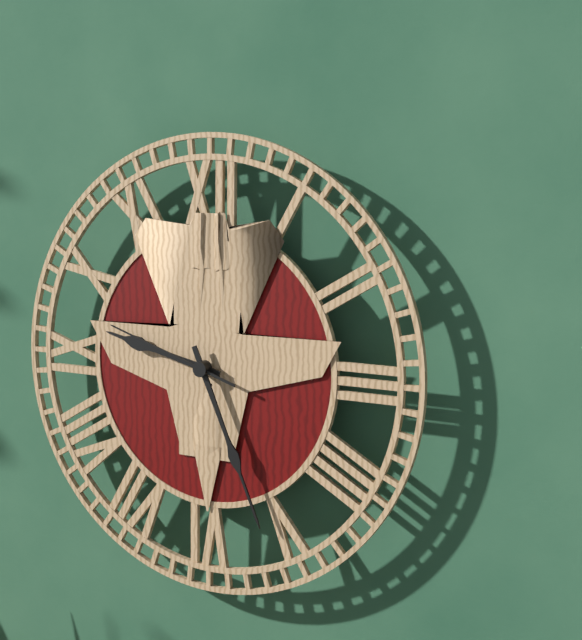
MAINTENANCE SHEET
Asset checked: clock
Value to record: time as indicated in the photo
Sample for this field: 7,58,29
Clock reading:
9,26,48
